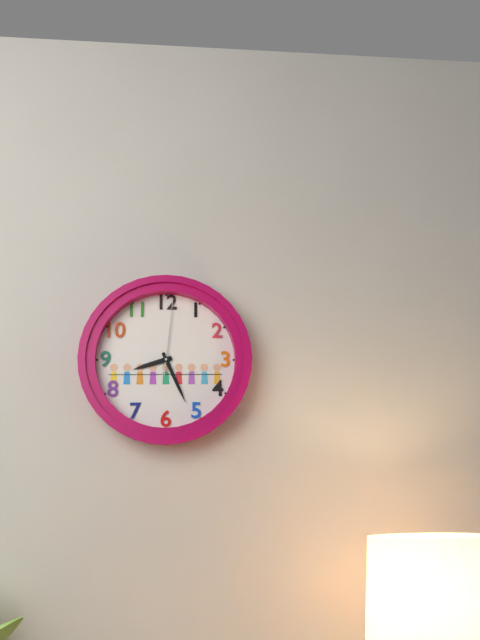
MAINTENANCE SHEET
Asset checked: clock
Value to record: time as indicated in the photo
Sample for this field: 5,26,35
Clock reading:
8,26,01
